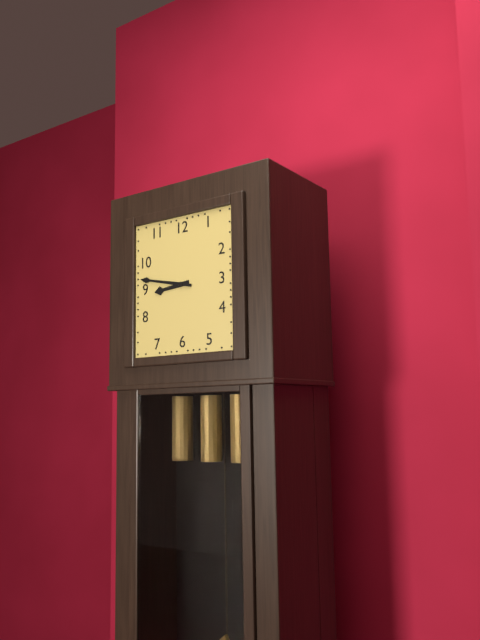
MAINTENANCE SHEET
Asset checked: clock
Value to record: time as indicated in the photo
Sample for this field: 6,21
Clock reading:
8,47
